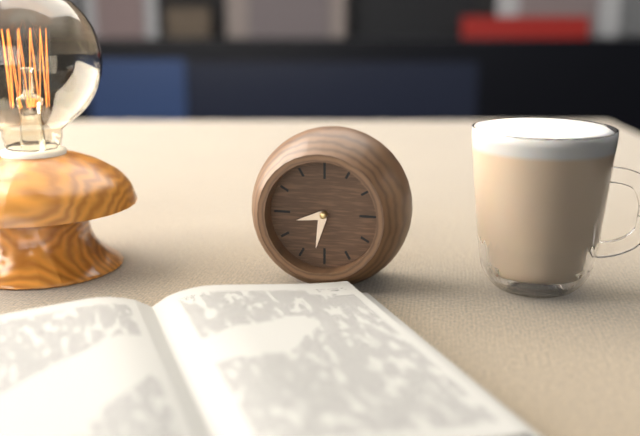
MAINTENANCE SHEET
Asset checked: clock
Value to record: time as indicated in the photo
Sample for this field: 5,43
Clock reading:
8,32
